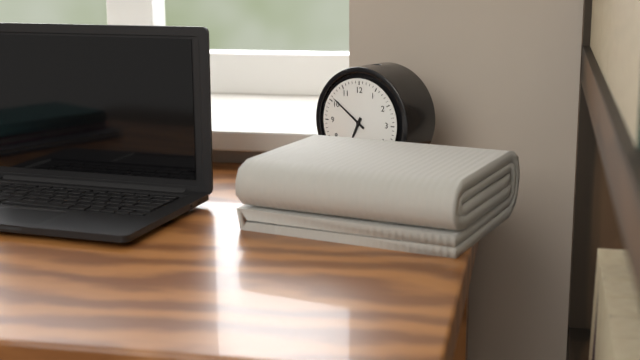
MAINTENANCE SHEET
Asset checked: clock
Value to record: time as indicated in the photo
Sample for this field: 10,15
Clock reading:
6,51
